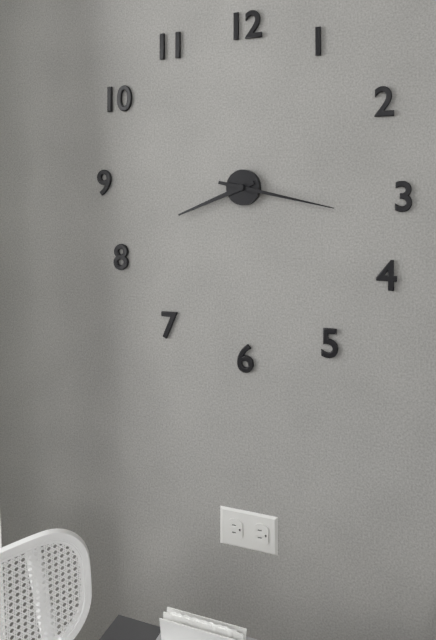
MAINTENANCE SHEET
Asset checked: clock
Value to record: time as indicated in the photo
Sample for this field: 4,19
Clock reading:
8,17
